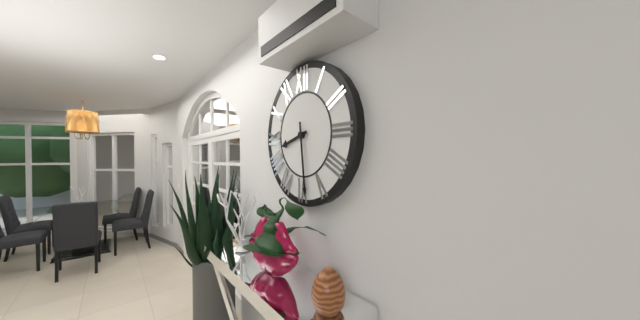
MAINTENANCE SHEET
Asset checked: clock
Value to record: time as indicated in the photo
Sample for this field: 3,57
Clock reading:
8,29
